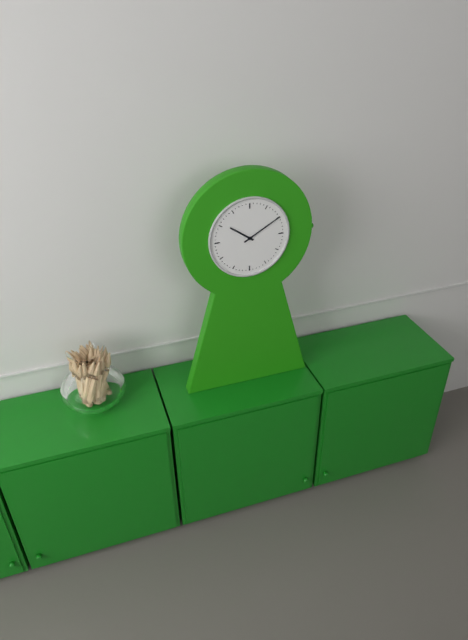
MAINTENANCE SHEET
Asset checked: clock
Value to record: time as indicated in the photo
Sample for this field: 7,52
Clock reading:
10,10
